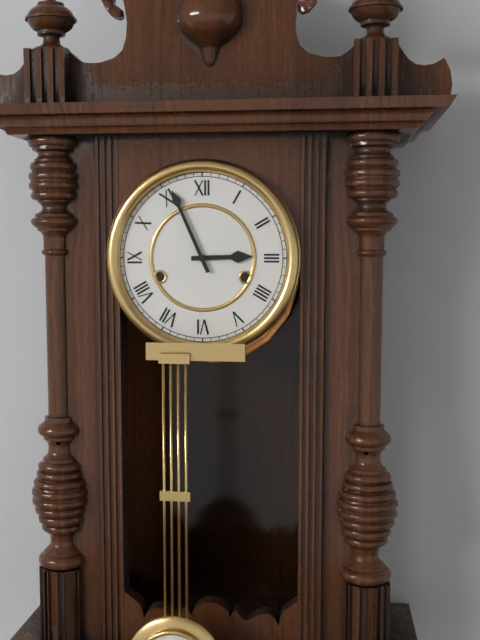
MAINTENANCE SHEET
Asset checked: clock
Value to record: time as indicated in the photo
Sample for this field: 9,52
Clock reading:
2,56
